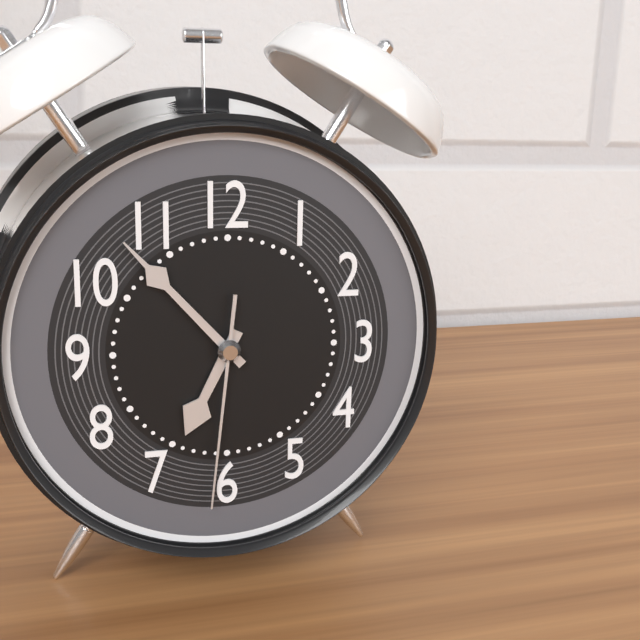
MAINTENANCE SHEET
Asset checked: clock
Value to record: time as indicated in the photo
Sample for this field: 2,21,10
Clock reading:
6,53,31
